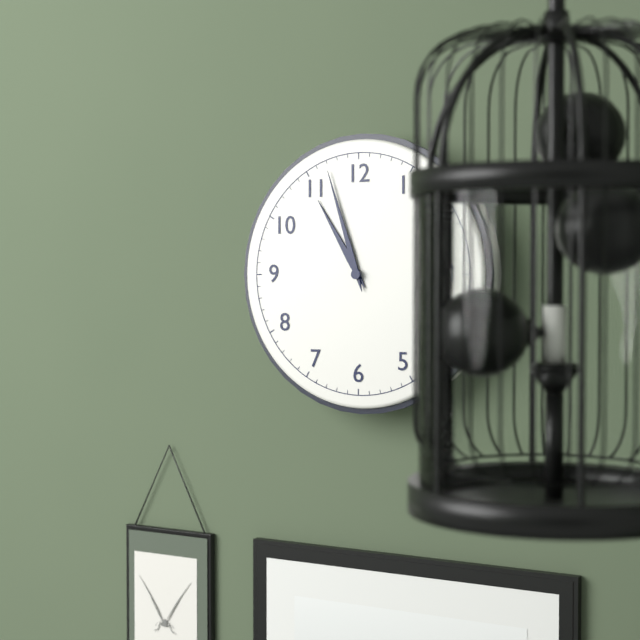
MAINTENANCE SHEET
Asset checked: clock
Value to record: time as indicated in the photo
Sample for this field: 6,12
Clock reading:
10,57
